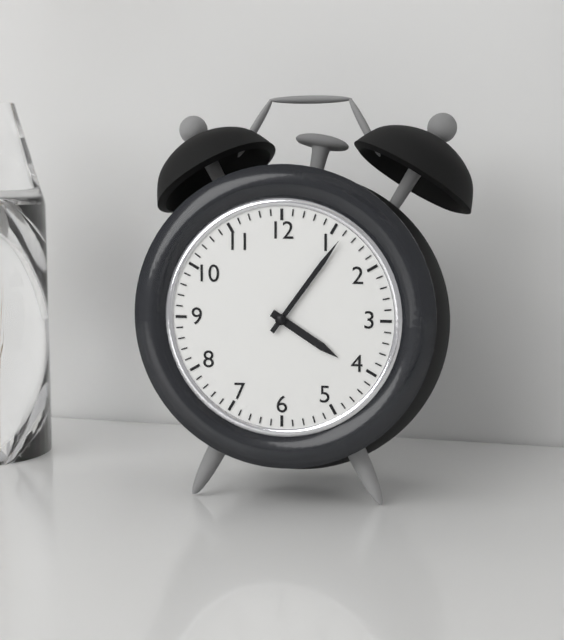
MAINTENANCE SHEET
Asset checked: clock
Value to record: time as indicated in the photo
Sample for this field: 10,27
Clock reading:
4,06
